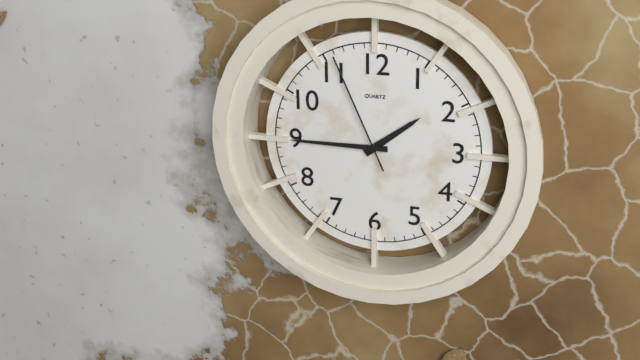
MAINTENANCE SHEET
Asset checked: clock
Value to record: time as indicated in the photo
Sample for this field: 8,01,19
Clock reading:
1,45,56
